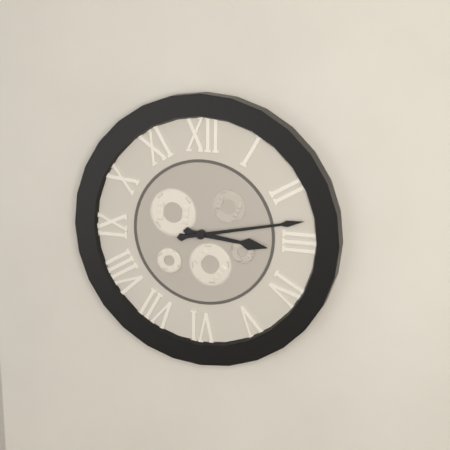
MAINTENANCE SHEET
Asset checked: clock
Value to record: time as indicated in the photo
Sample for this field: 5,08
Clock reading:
3,13
